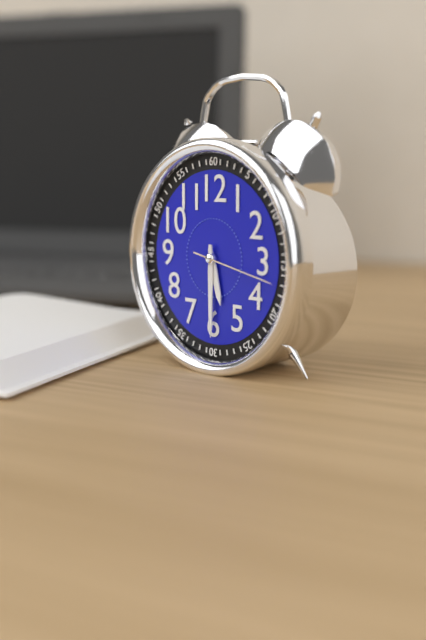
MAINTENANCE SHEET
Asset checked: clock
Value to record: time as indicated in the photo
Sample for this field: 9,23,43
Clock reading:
5,30,17
